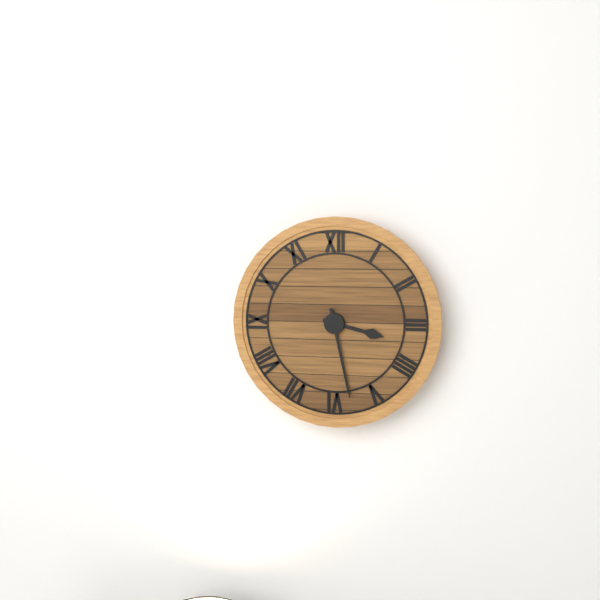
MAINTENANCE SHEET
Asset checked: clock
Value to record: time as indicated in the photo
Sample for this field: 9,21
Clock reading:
3,28
